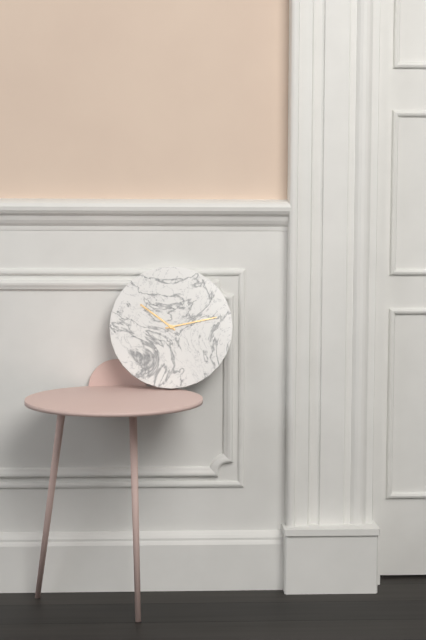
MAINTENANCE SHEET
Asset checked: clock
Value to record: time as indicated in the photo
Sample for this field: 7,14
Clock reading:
10,13
